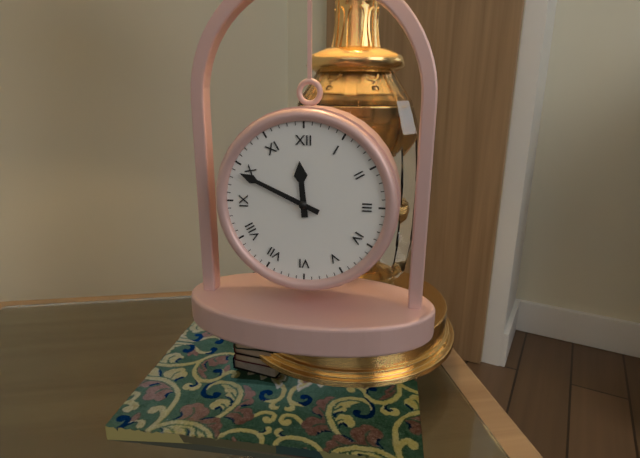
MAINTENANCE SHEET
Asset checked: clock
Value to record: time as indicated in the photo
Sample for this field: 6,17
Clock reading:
11,49
